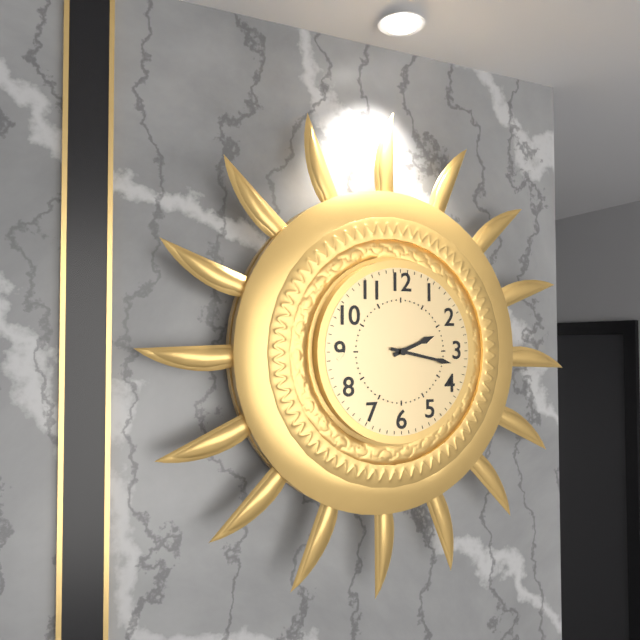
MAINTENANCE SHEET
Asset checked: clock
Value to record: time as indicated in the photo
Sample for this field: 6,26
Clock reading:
2,17
